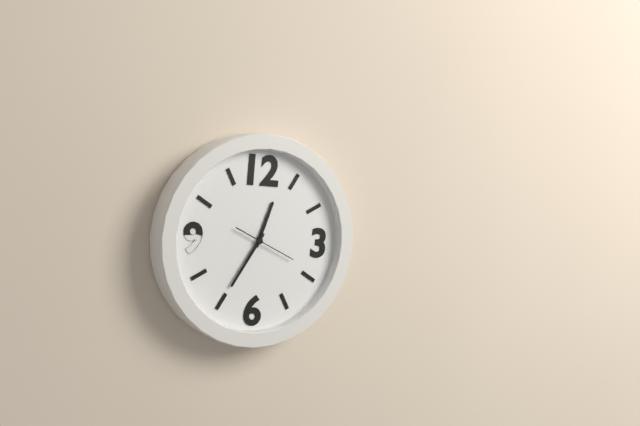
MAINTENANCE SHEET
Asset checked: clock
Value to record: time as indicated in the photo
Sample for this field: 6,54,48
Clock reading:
12,35,19
